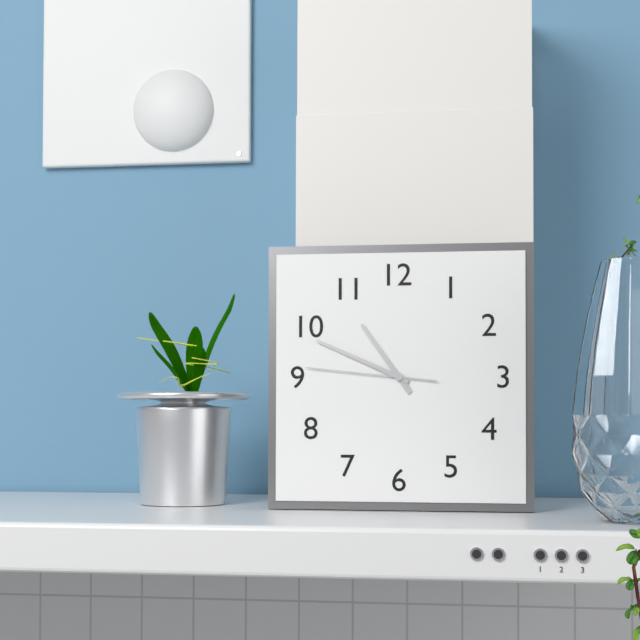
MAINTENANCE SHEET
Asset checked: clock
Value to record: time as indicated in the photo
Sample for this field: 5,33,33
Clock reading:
10,49,46
